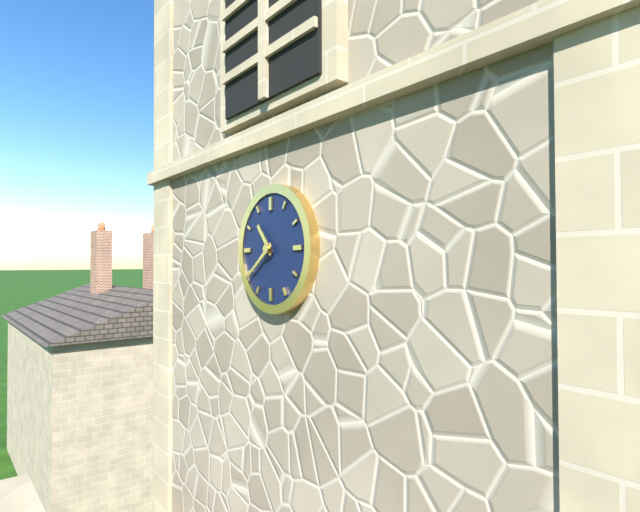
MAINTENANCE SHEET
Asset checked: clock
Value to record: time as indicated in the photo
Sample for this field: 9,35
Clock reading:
10,39
